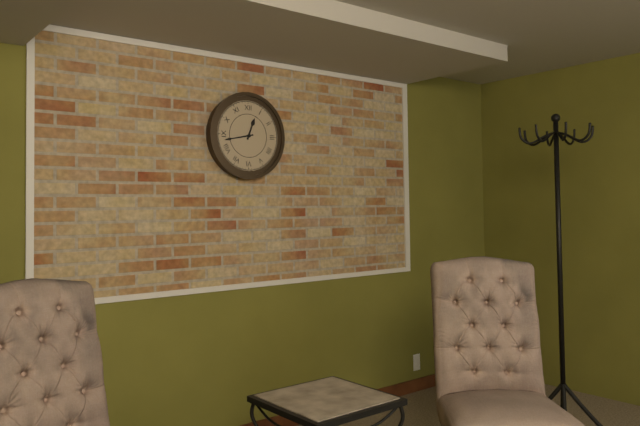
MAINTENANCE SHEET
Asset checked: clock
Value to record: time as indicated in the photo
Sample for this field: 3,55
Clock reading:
12,43
